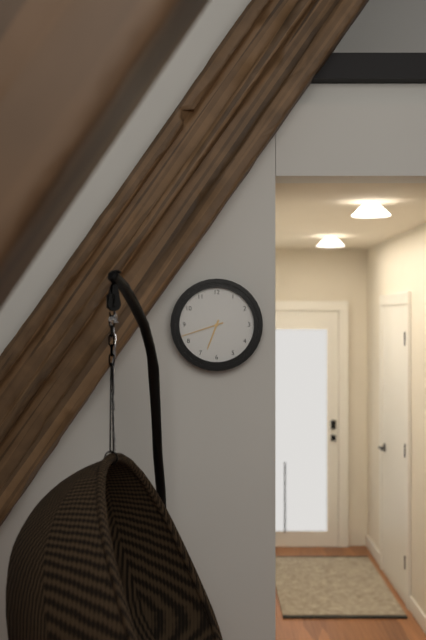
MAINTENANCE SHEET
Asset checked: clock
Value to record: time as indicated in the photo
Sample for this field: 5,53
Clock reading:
6,42
